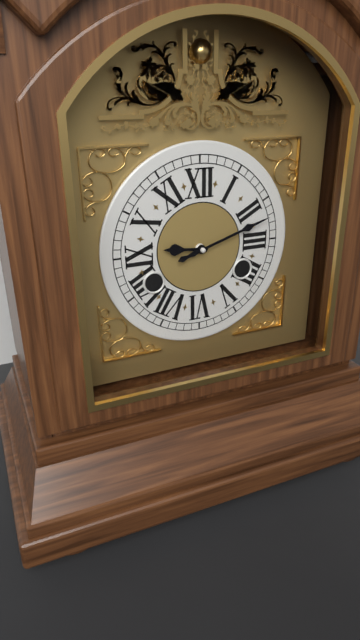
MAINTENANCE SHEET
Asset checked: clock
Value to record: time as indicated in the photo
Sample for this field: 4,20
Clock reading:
9,12
